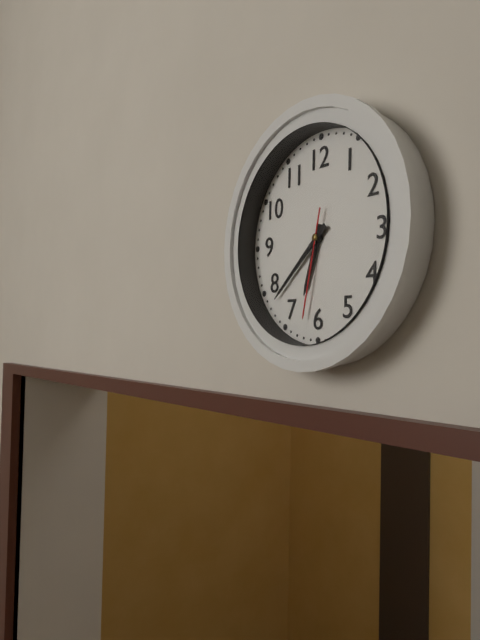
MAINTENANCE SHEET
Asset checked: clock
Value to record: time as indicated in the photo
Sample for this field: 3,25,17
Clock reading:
6,38,32
